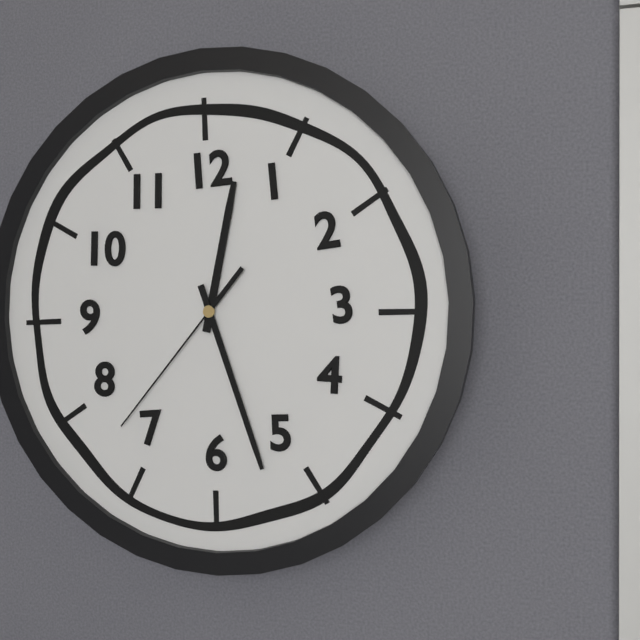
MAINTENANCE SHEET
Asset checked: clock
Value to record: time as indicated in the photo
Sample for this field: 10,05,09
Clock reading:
12,27,37
